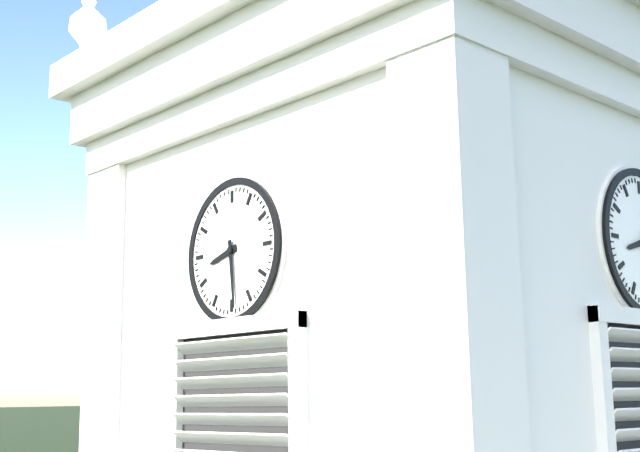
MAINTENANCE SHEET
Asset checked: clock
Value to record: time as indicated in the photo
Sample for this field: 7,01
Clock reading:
8,29
